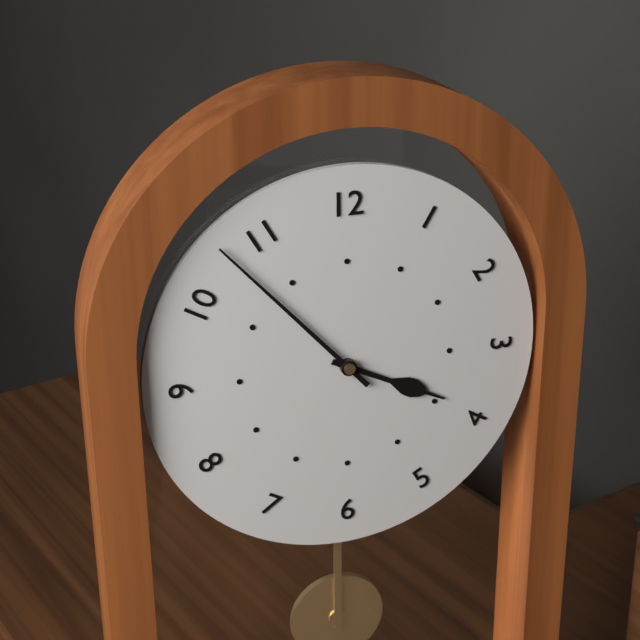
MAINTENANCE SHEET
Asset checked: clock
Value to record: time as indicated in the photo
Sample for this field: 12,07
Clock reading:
3,53
